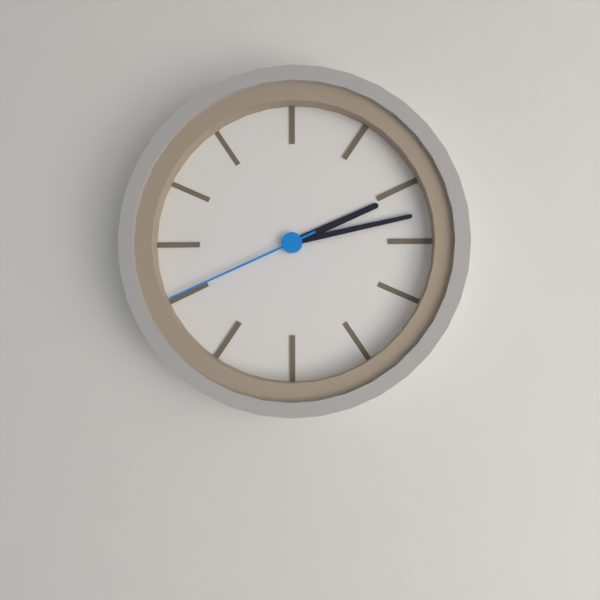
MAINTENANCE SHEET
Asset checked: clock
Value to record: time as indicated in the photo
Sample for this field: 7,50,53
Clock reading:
2,13,41
